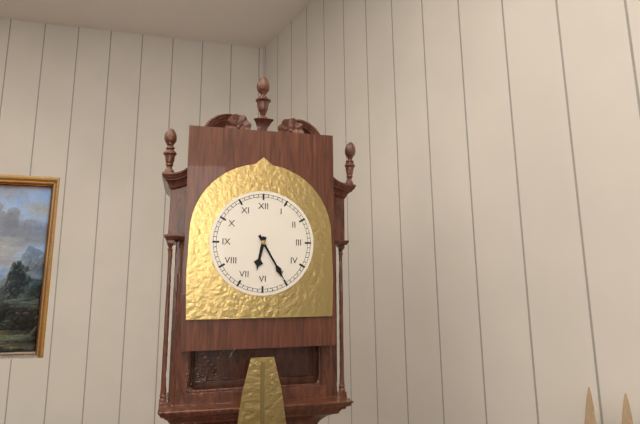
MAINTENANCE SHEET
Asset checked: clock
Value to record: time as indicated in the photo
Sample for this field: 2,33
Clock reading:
6,25
